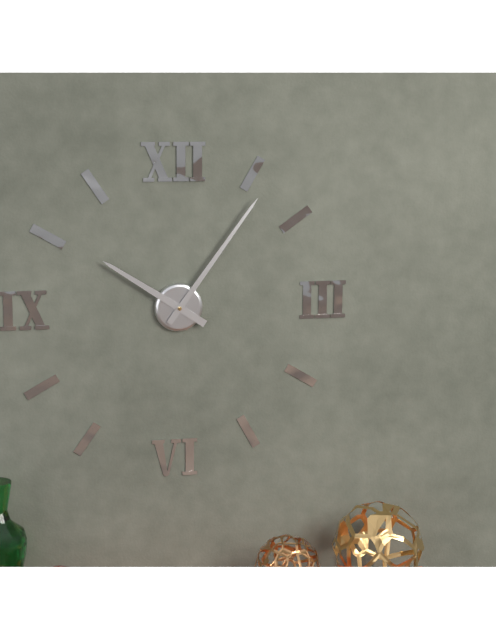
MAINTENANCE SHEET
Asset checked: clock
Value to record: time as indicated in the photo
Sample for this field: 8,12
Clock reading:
10,06
